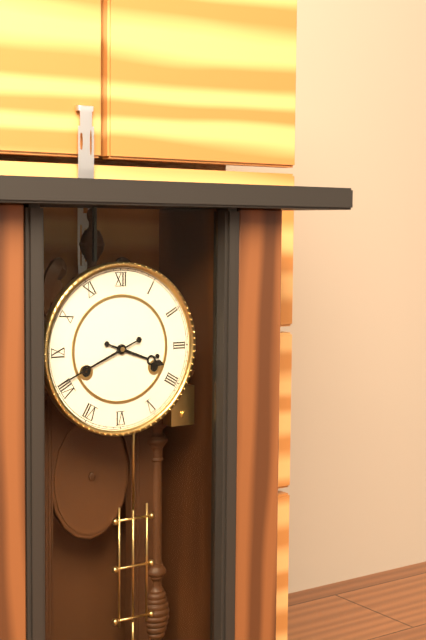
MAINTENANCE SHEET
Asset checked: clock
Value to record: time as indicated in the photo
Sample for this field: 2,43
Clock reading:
3,41
